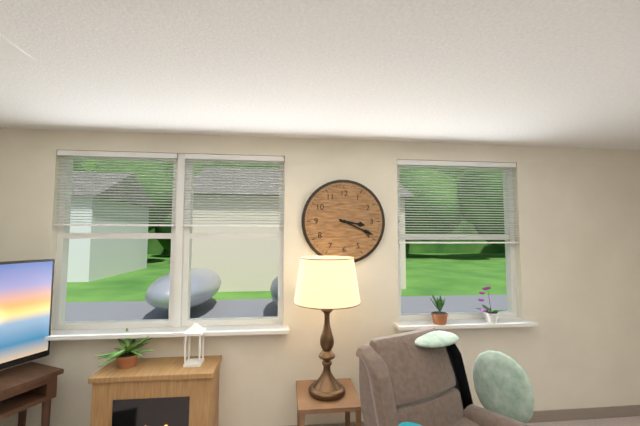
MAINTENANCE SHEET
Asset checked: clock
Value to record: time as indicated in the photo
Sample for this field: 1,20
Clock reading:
3,19
